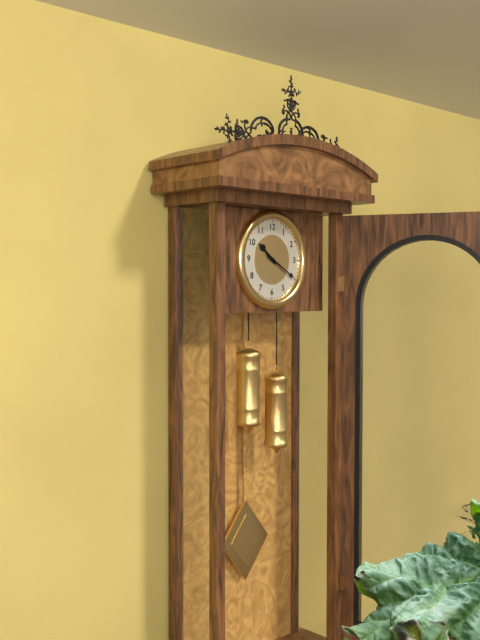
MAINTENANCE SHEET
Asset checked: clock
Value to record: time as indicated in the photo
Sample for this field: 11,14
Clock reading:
10,20
